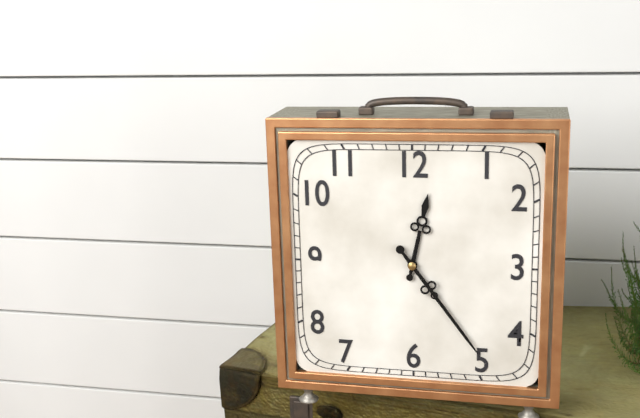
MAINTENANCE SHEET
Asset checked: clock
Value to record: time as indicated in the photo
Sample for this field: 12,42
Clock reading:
12,24
